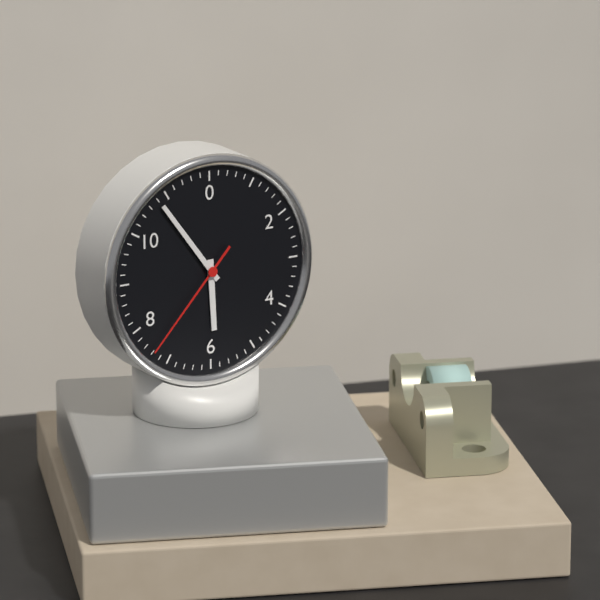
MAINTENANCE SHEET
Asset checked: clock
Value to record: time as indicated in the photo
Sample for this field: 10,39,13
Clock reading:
5,54,37
